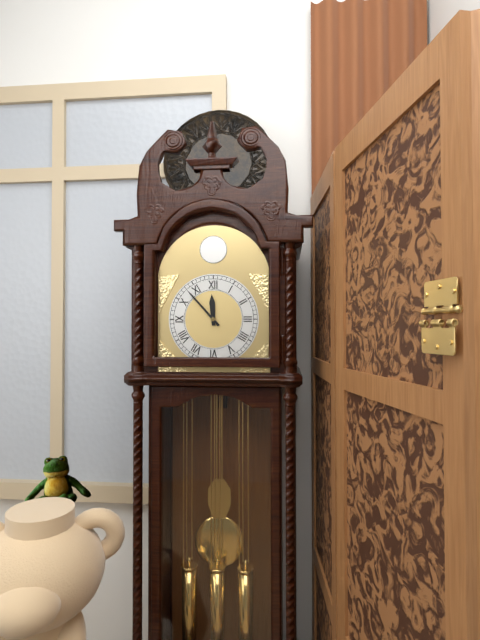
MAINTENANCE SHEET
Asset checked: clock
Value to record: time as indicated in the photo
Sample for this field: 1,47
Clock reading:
11,53
